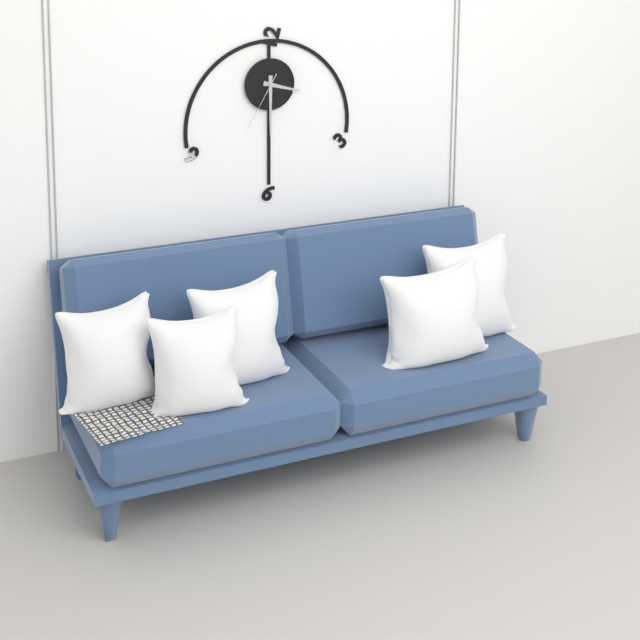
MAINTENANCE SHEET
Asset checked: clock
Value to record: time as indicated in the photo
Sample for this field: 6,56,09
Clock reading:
3,30,35
